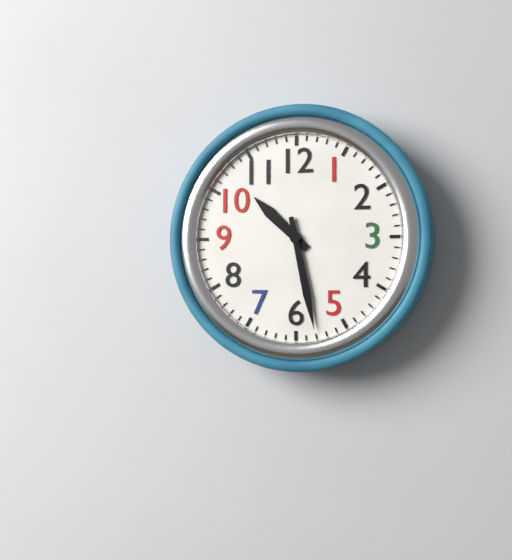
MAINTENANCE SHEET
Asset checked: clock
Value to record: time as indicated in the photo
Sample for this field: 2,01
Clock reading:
10,28
